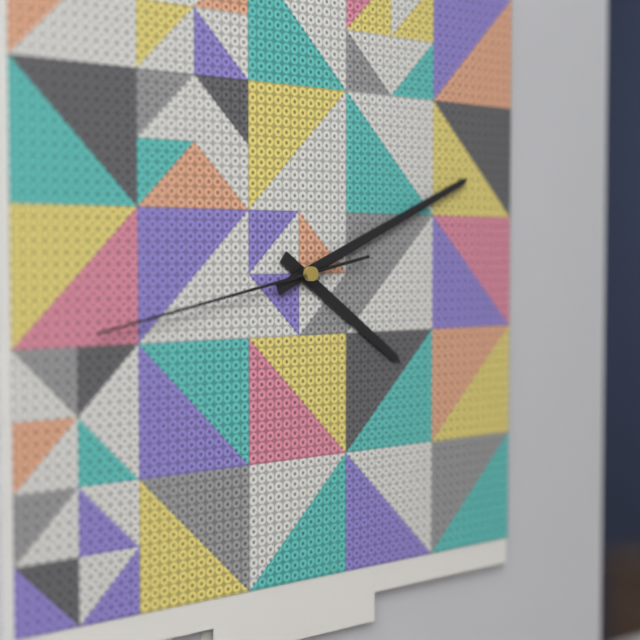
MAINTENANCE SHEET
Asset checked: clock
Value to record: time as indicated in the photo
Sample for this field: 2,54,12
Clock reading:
4,11,43
